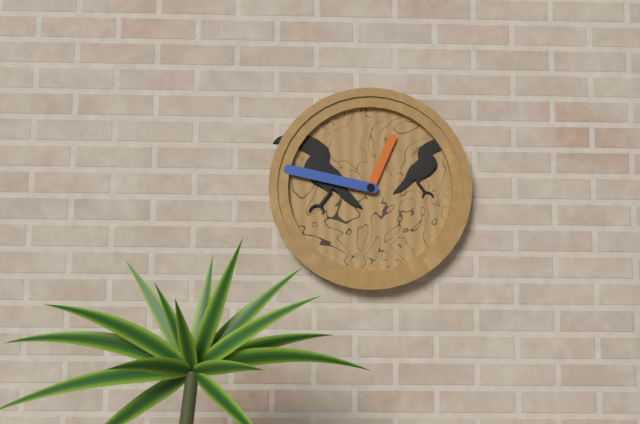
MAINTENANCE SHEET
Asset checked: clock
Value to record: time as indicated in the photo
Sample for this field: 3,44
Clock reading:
12,47
